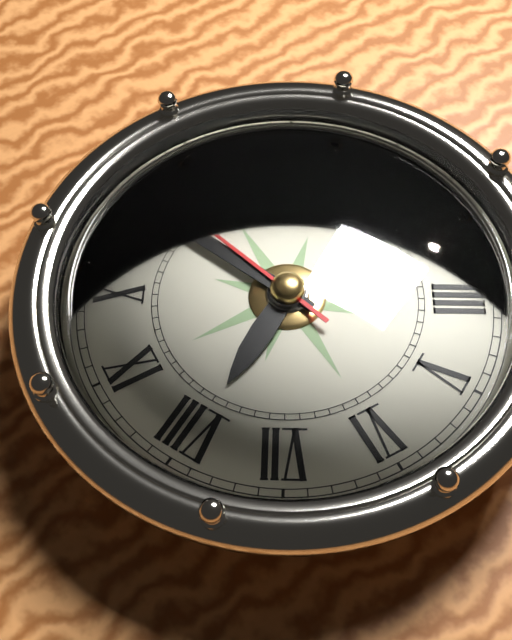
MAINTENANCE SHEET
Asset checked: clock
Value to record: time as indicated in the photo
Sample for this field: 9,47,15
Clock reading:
7,56,57
